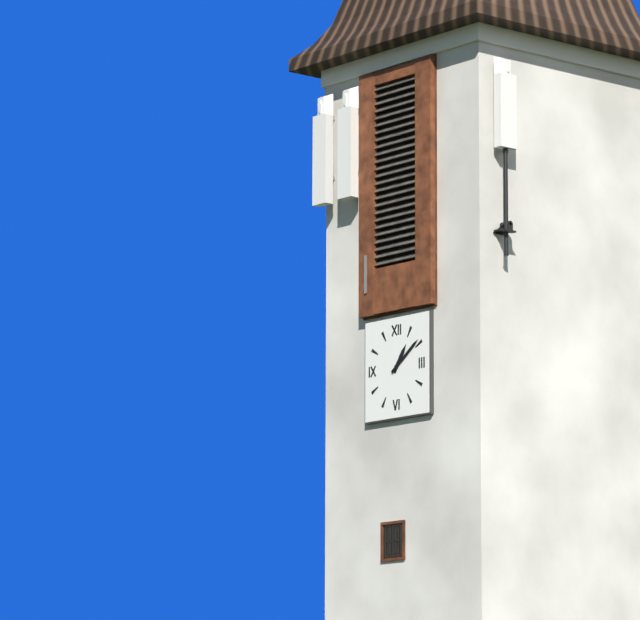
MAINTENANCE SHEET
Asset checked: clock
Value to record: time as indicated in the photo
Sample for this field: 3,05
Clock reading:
1,09
